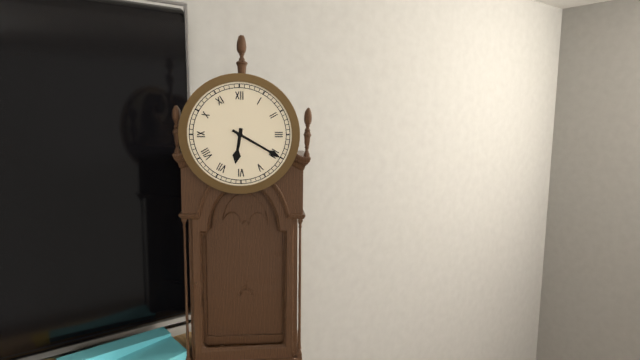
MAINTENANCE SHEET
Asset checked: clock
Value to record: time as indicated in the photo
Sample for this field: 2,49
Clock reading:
6,20
